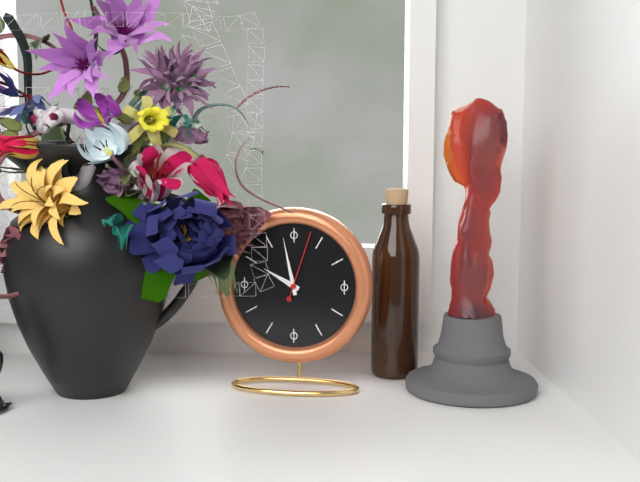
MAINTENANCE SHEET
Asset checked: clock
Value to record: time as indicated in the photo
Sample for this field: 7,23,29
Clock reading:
9,58,03
